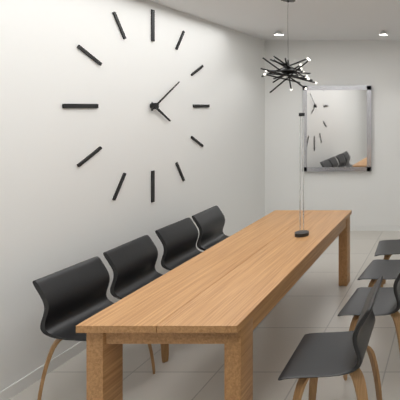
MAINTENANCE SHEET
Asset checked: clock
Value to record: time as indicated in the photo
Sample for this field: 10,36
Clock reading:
4,09
